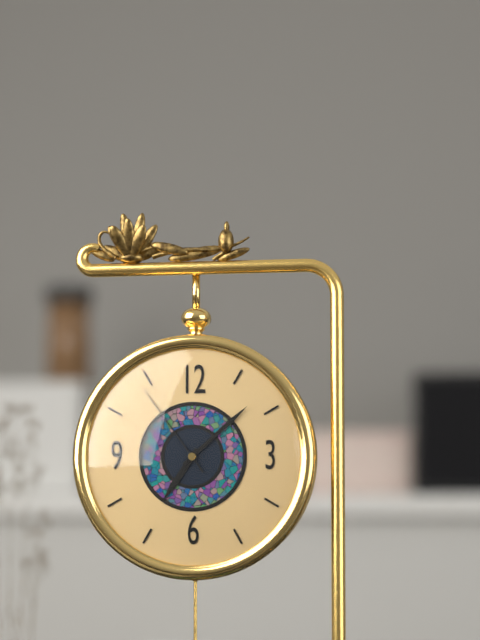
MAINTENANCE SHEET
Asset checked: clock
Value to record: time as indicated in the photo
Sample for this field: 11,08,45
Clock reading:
7,08,54
